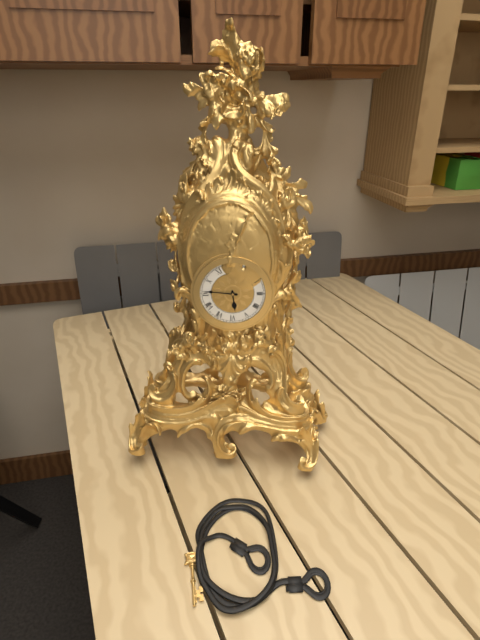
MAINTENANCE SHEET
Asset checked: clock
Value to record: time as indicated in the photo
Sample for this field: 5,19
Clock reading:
5,46
